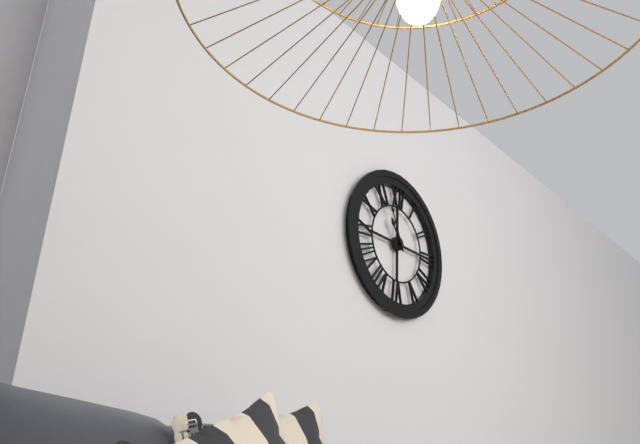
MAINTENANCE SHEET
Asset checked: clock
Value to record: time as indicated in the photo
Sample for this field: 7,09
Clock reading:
10,56
